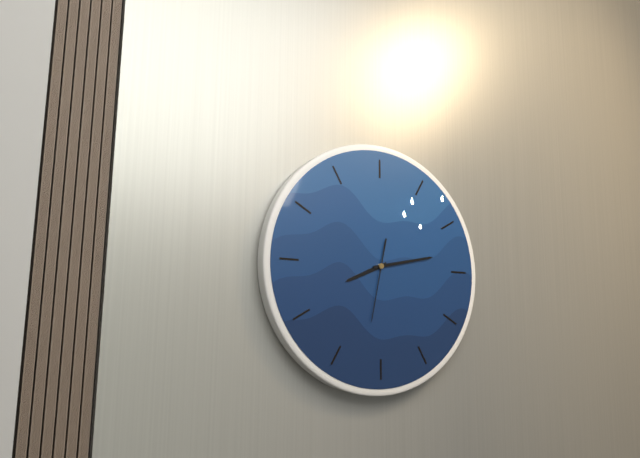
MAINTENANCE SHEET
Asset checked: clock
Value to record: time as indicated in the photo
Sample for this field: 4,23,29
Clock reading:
8,13,32
